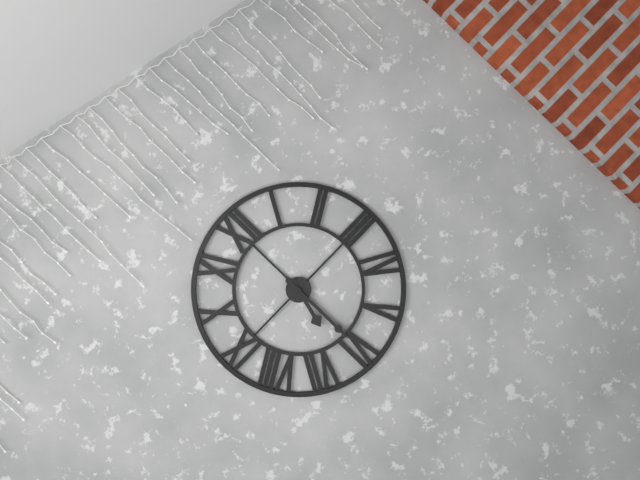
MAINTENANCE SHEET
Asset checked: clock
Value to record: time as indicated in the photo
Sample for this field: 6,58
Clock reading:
6,30
